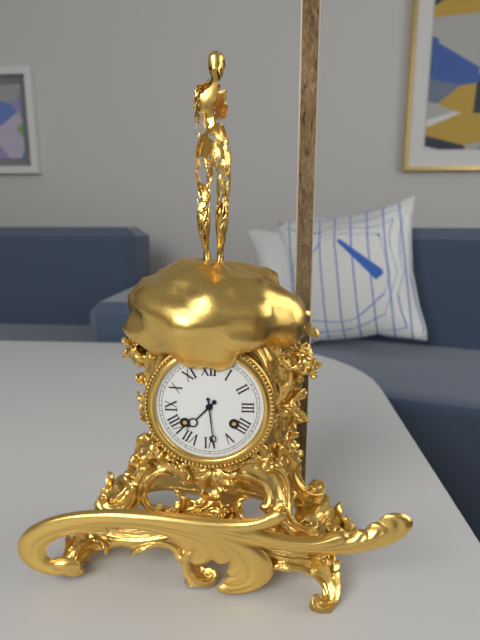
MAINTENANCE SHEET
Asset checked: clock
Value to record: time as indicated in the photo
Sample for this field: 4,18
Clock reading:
7,29
